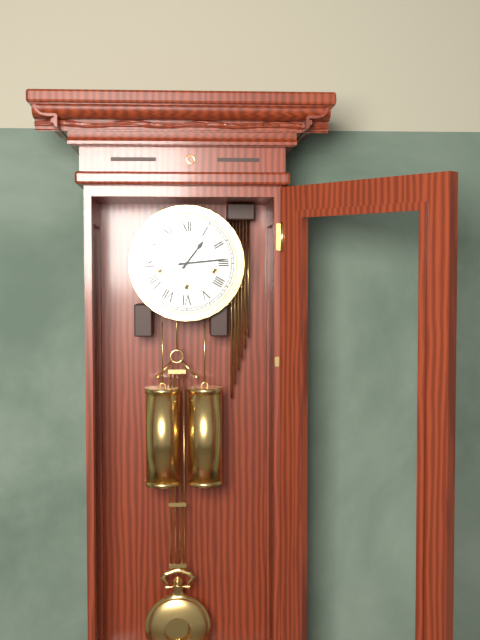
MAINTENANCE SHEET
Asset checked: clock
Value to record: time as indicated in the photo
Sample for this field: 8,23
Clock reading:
1,14
